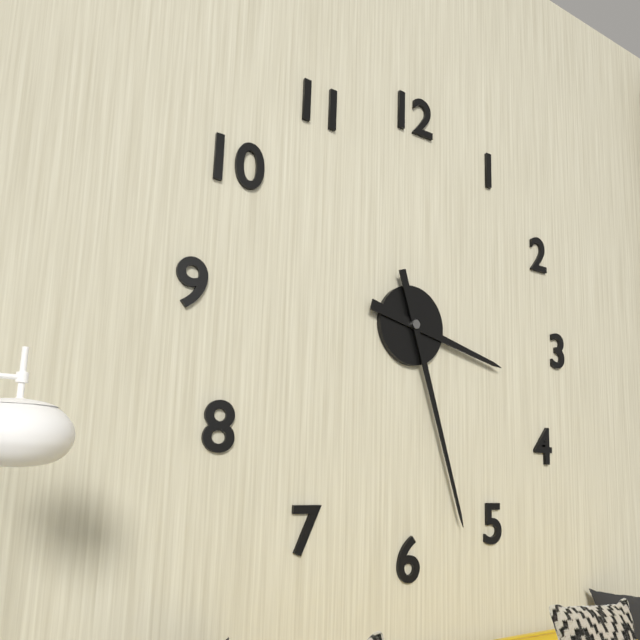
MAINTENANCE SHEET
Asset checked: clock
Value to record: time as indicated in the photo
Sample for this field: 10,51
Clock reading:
3,27
